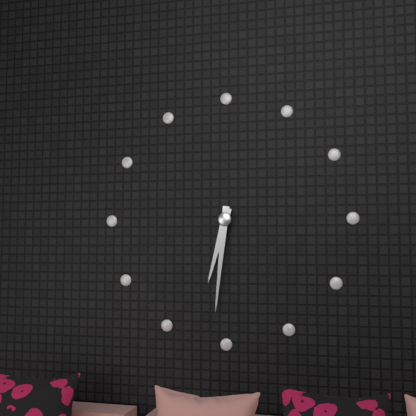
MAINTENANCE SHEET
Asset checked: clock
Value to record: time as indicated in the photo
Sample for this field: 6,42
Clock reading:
6,31
